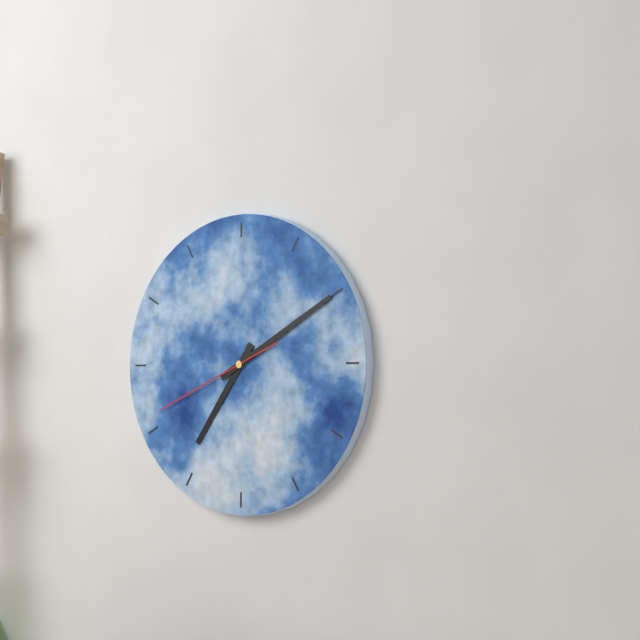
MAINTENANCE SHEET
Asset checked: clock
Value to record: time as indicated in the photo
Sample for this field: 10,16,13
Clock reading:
7,10,41
